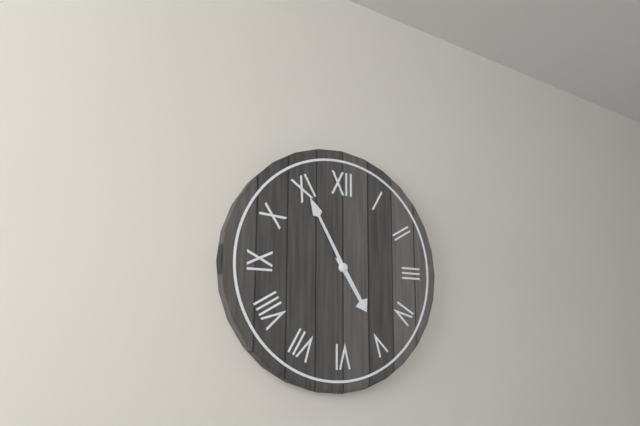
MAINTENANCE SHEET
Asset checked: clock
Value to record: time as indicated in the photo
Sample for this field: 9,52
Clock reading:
4,55
